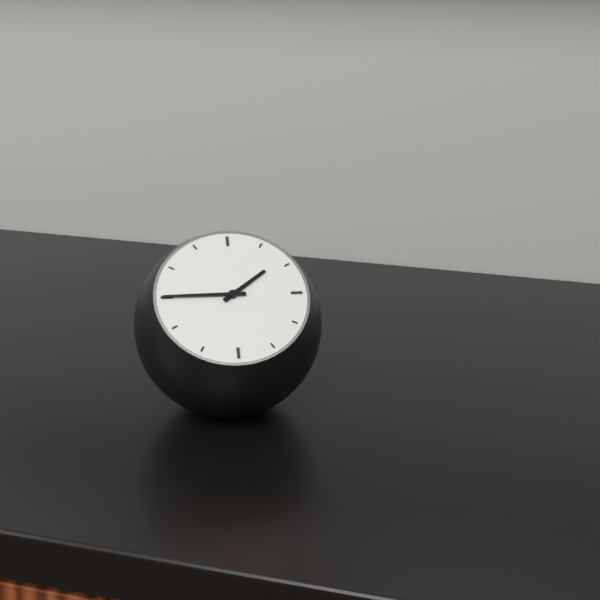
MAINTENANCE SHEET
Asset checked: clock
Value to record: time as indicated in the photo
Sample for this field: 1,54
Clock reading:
1,45
